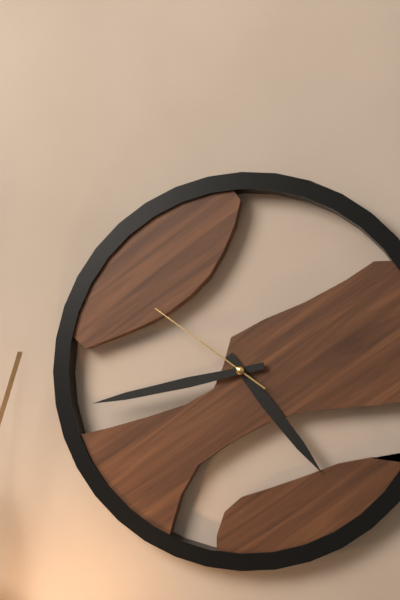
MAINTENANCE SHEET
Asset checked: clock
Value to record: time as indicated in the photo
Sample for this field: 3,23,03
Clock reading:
4,43,51
